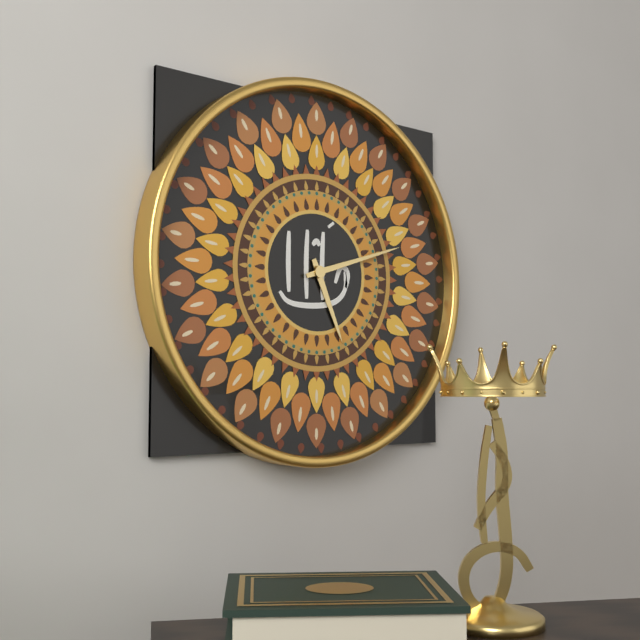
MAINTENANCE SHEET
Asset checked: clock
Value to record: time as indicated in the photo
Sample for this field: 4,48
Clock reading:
5,12
